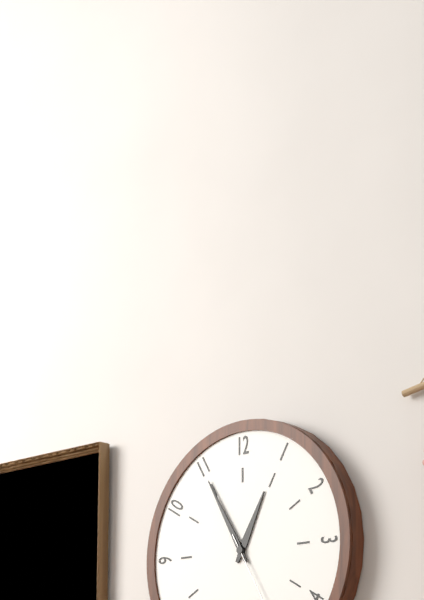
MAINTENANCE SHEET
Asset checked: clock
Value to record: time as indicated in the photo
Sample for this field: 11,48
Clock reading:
12,55
